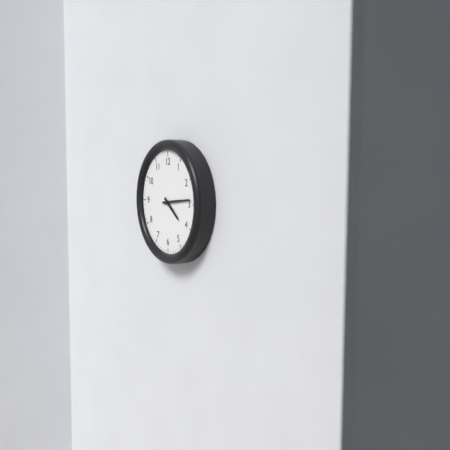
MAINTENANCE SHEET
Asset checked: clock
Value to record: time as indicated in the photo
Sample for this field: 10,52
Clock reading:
4,14
